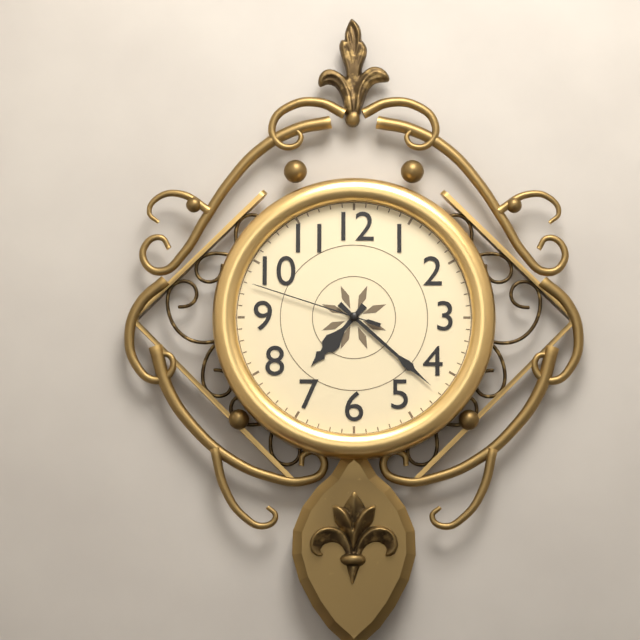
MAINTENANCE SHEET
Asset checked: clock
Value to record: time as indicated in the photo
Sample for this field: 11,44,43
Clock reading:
7,22,48
